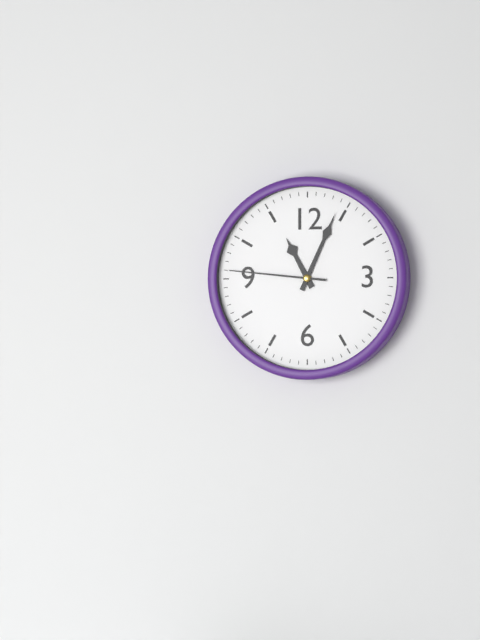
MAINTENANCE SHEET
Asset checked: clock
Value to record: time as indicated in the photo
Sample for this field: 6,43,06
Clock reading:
11,04,46
